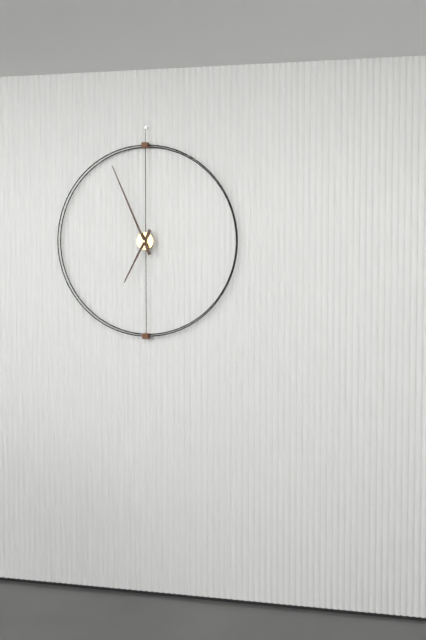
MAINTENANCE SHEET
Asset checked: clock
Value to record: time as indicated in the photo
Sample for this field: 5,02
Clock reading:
6,56
